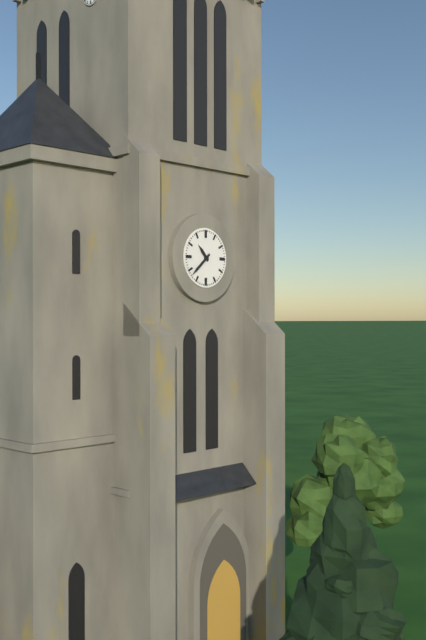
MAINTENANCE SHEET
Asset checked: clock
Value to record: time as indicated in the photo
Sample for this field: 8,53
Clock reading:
10,38
